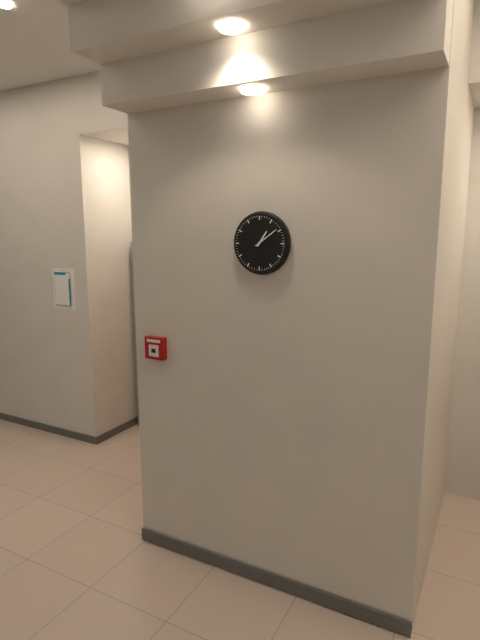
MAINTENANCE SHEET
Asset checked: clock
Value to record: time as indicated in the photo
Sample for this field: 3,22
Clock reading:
1,09
